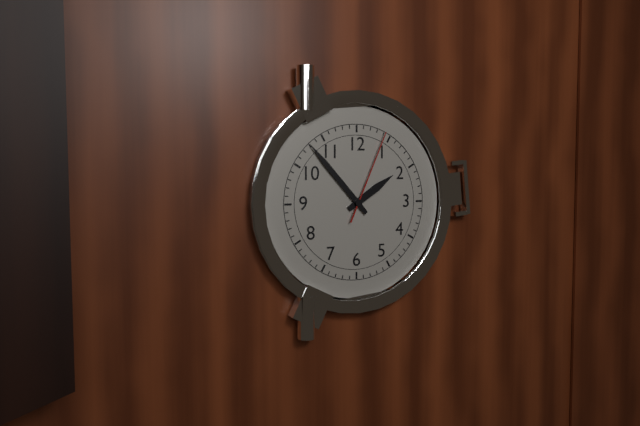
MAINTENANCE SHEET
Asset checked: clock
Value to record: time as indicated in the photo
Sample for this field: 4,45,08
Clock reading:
1,53,04
